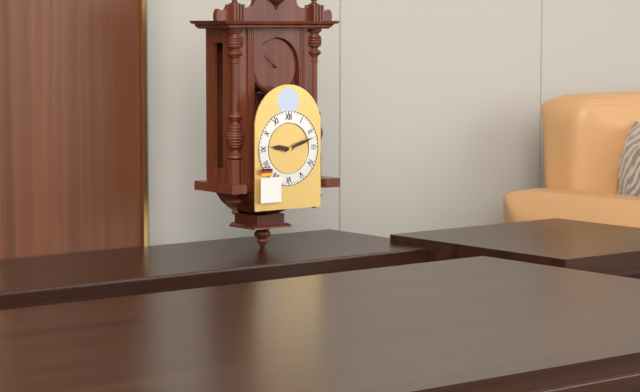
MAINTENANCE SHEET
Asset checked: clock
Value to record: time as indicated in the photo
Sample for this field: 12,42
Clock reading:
9,12
